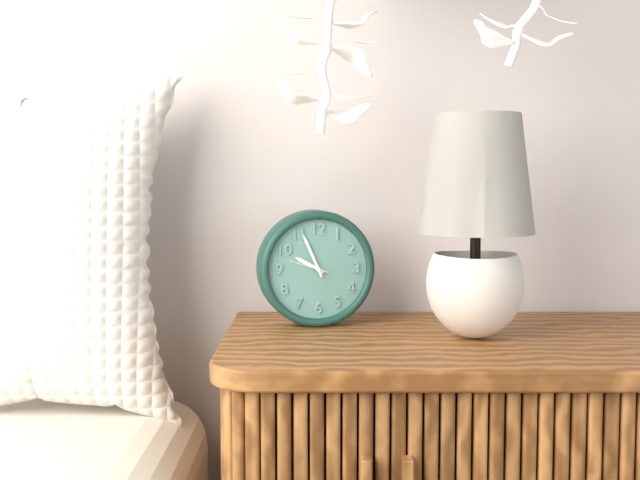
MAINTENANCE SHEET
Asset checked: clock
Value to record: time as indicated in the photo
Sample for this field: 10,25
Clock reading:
9,56
